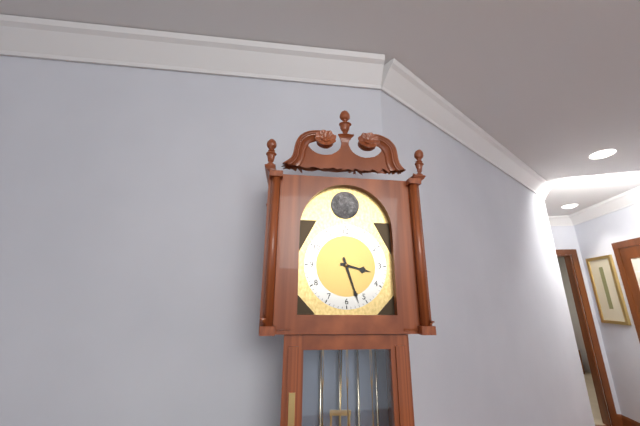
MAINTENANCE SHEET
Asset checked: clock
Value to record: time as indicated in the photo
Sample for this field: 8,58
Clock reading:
3,27
